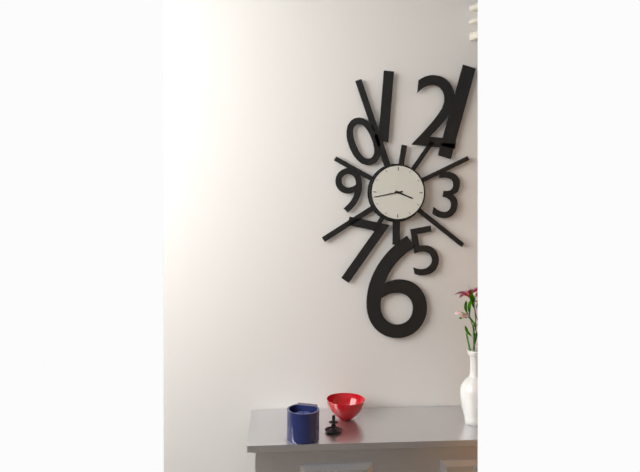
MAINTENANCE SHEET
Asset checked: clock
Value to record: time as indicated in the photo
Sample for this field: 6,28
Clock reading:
3,43
